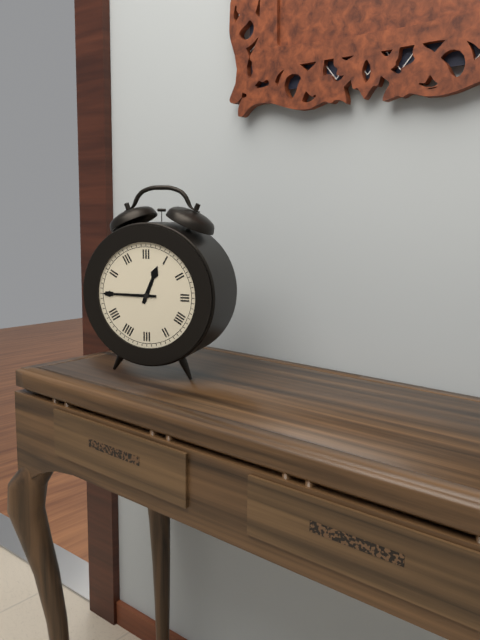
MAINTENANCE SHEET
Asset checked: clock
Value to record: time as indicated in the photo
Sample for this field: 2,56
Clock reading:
12,45
